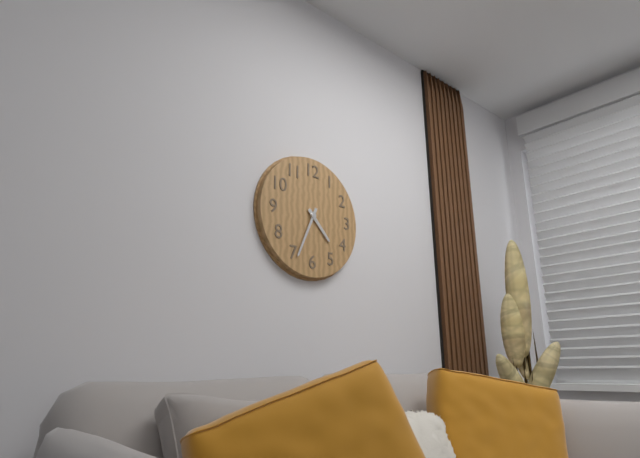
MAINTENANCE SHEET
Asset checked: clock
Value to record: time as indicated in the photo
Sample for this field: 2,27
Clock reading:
4,34
